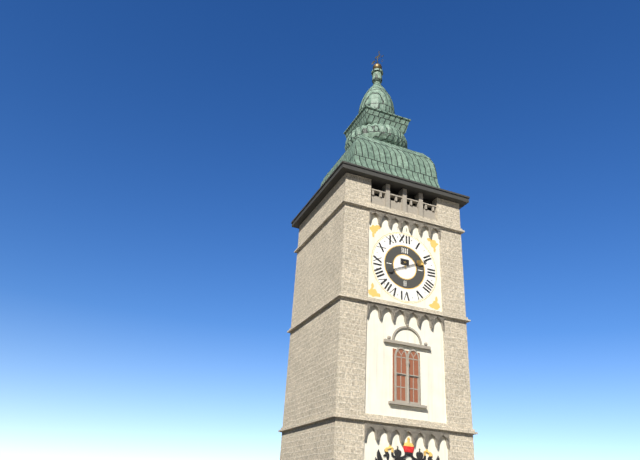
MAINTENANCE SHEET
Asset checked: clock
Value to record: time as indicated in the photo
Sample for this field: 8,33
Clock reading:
2,11
